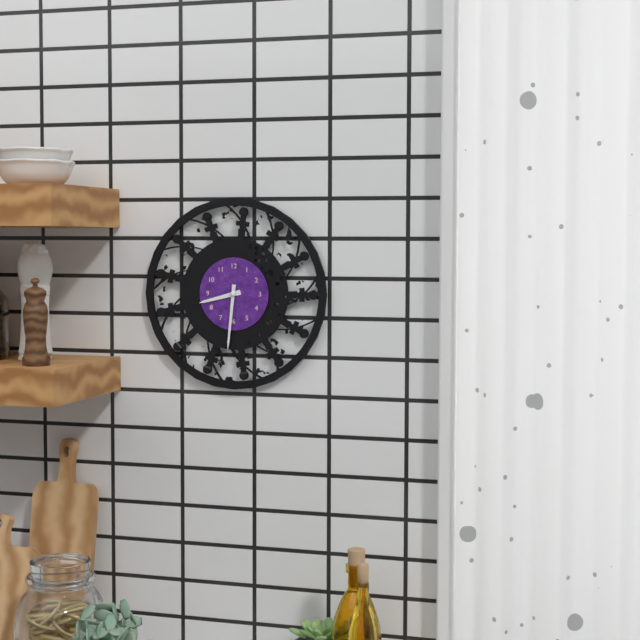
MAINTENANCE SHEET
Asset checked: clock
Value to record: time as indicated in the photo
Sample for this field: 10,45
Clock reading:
8,31
